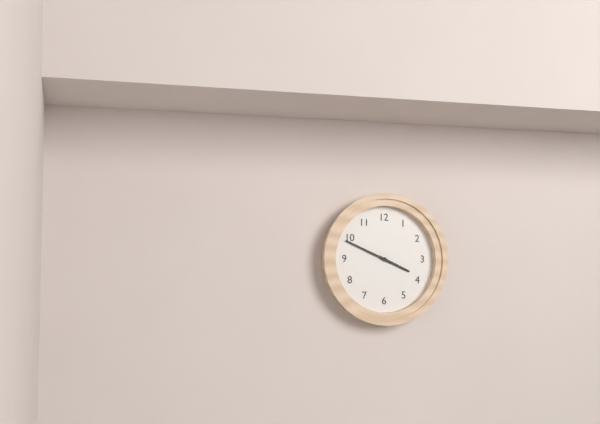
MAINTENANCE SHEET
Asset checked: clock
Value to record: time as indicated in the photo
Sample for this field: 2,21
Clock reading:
3,49
